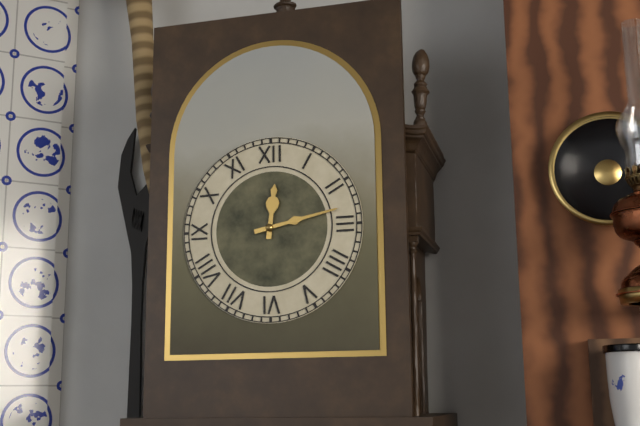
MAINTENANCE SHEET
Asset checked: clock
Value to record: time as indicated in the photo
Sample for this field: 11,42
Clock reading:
12,13
